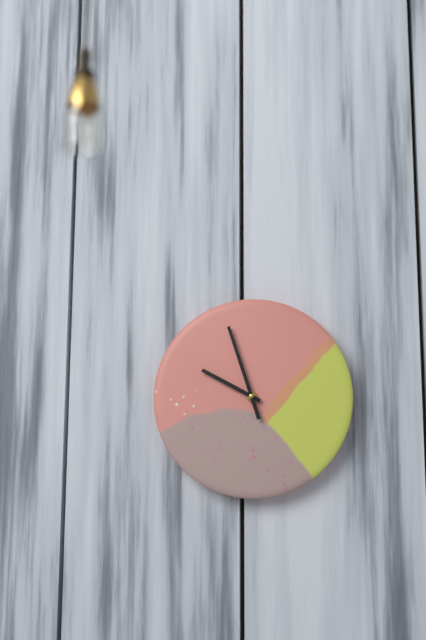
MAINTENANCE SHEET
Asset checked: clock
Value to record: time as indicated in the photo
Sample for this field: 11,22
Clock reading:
9,57
